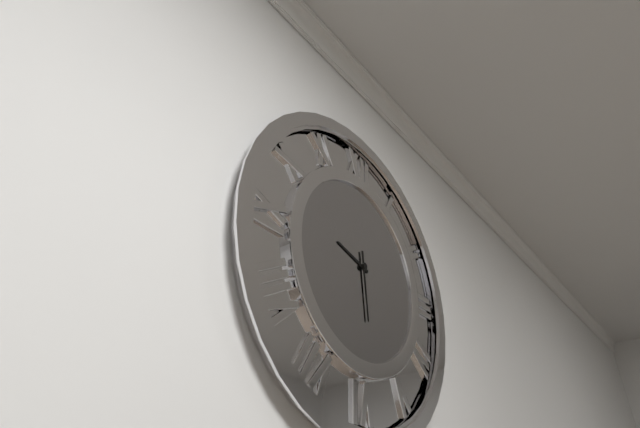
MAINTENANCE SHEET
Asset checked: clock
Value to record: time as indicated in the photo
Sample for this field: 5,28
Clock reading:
9,29
